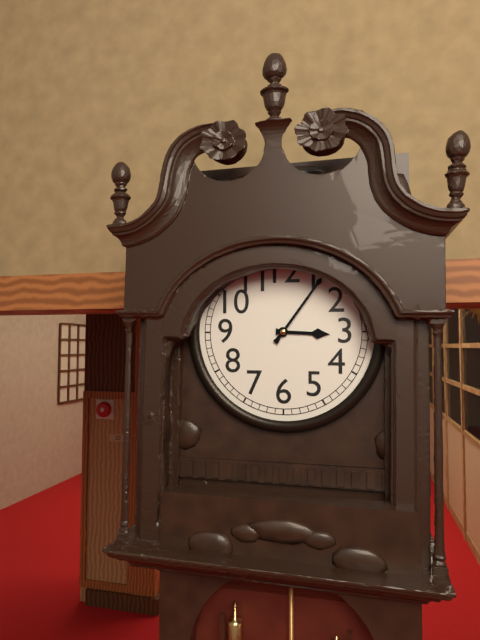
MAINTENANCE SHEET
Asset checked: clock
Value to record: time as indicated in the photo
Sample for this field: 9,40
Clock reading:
3,06
